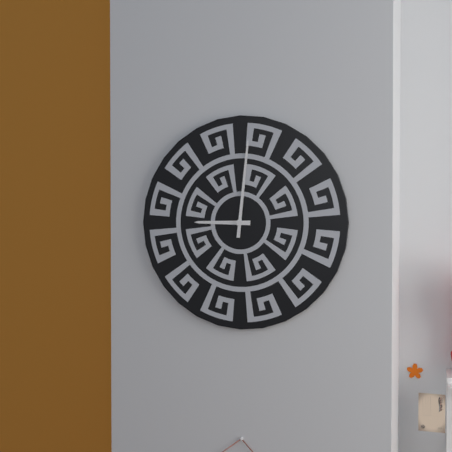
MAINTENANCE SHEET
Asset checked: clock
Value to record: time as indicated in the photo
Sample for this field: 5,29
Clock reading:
9,01
